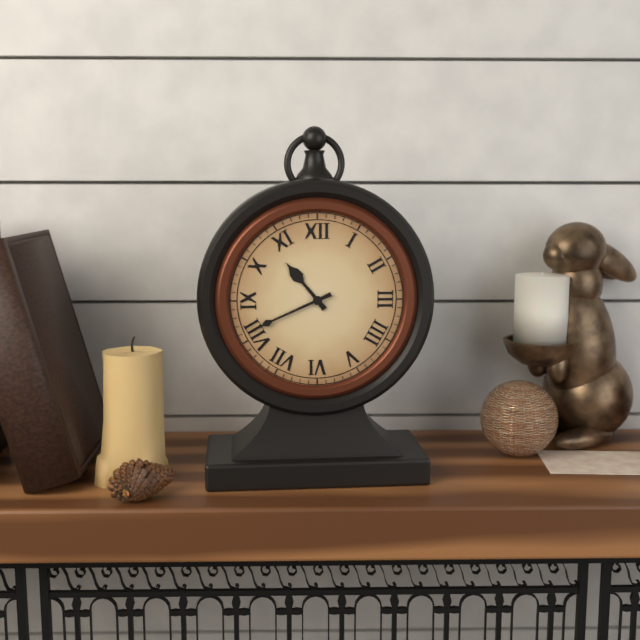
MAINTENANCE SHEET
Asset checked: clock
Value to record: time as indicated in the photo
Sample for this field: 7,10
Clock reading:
10,41
